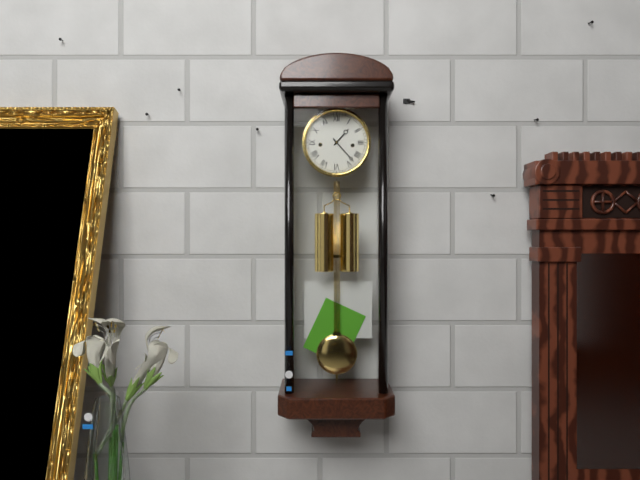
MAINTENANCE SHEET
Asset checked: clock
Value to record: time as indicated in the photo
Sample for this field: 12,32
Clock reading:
1,23
